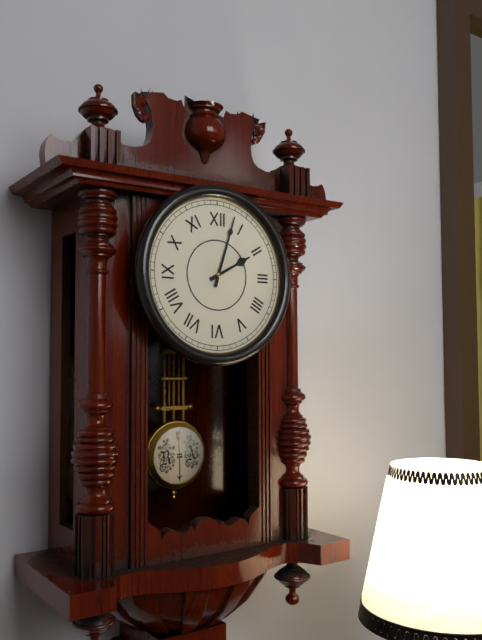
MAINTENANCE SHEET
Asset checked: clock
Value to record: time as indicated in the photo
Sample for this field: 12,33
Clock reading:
2,03
